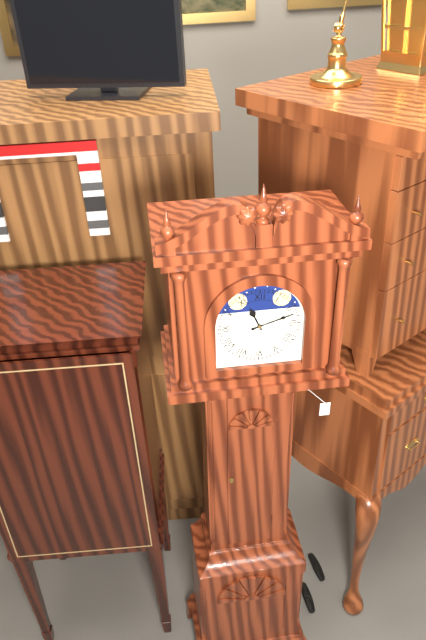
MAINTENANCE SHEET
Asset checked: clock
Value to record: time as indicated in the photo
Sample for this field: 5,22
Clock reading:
11,12
